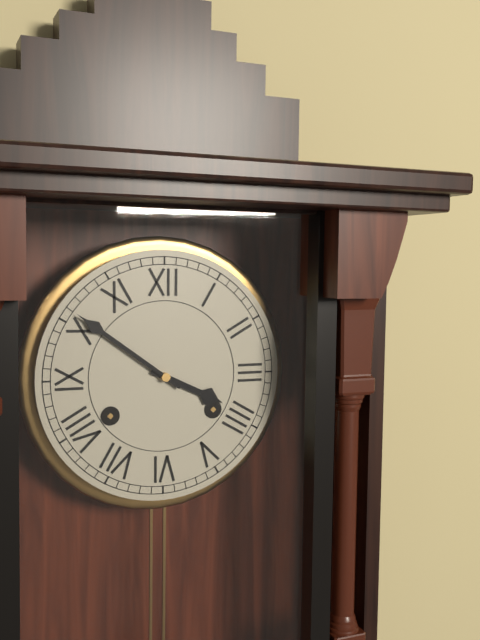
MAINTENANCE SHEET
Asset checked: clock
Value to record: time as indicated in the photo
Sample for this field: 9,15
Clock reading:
3,51
